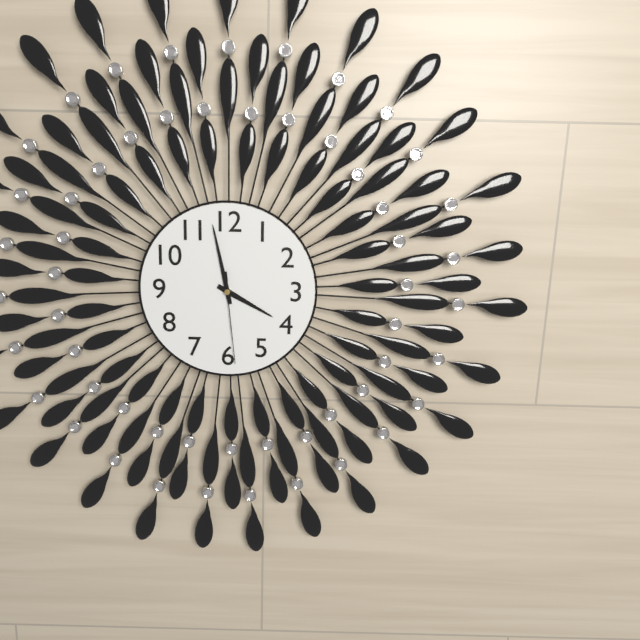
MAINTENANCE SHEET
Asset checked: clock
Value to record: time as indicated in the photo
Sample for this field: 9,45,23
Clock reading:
3,58,29
